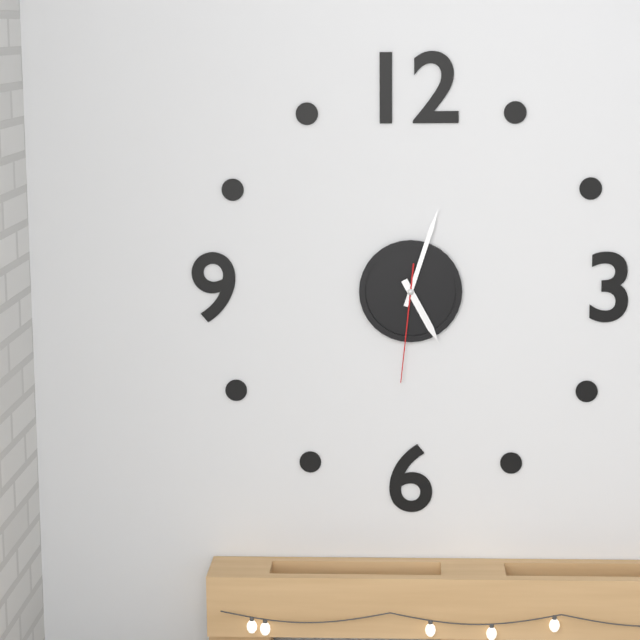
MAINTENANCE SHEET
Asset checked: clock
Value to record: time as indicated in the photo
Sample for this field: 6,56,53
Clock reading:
5,03,31
